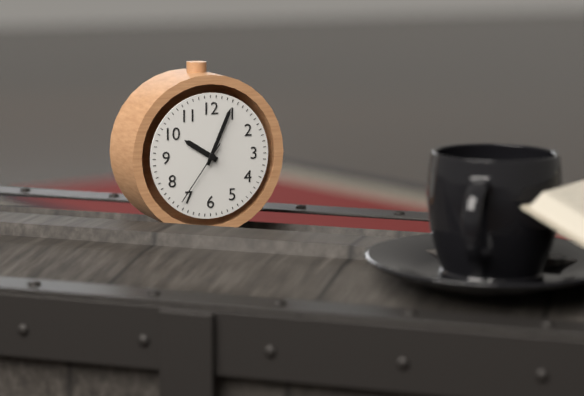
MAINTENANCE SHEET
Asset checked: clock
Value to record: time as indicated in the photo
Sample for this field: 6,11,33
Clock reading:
10,04,36
